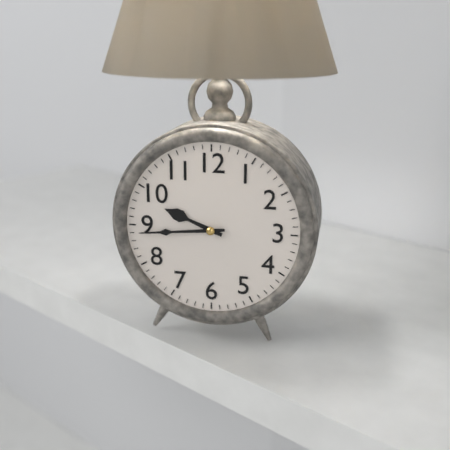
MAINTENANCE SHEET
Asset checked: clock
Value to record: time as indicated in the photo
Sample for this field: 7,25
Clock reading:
9,44
